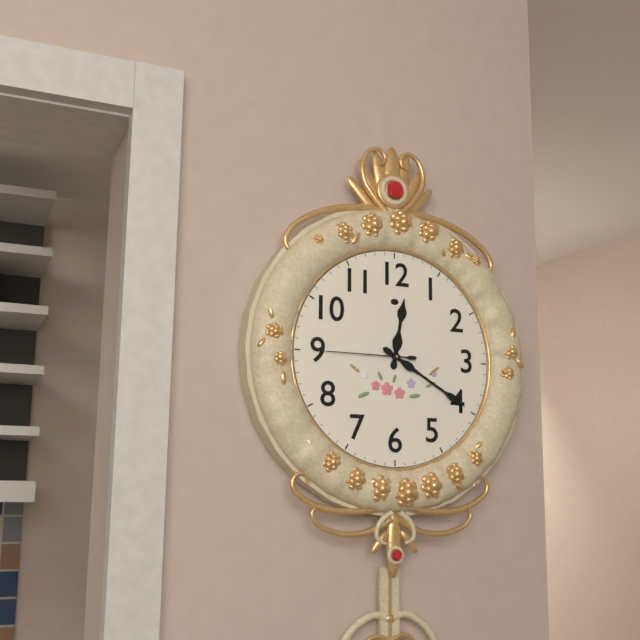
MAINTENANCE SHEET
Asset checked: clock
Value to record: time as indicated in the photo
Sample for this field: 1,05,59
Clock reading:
12,20,45
